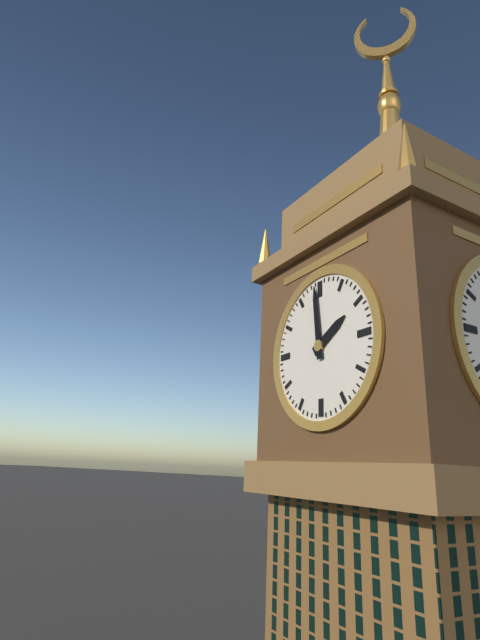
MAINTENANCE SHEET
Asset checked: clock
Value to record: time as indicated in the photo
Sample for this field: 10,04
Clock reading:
1,59
